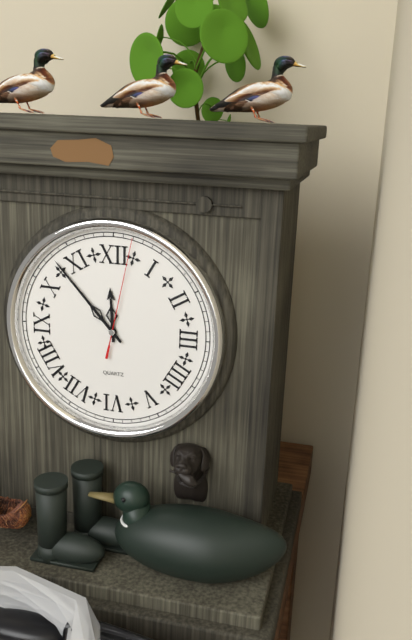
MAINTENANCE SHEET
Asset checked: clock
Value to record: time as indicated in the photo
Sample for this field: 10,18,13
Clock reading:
11,53,02
